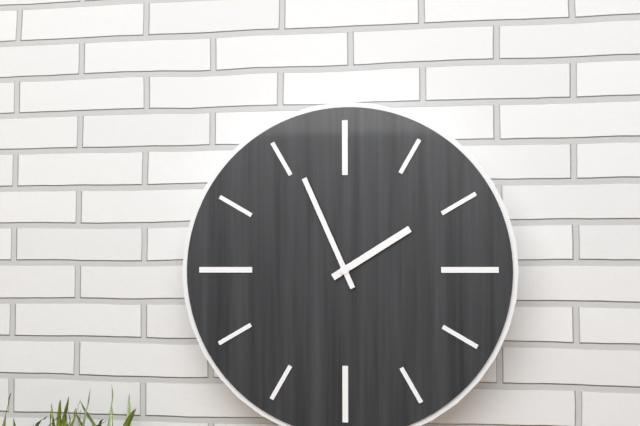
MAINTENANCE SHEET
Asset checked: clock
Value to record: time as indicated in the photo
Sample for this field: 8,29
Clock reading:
1,56
